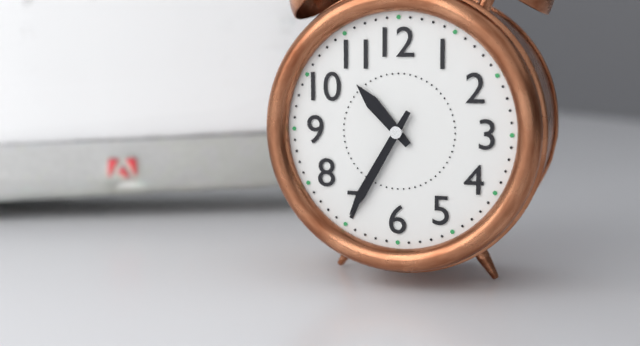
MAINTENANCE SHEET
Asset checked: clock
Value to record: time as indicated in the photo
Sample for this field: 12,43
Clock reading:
10,35
